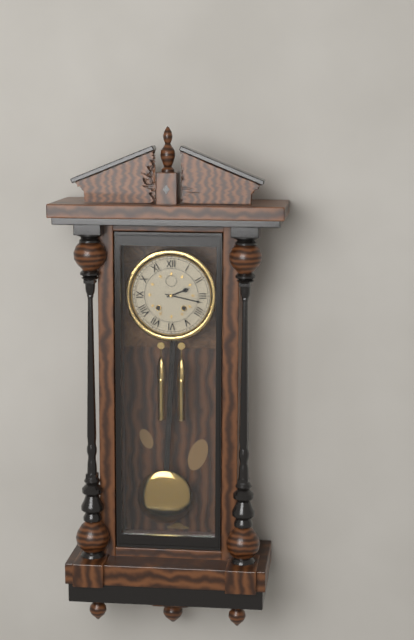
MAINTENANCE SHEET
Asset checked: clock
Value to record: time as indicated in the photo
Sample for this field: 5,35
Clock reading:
2,17
